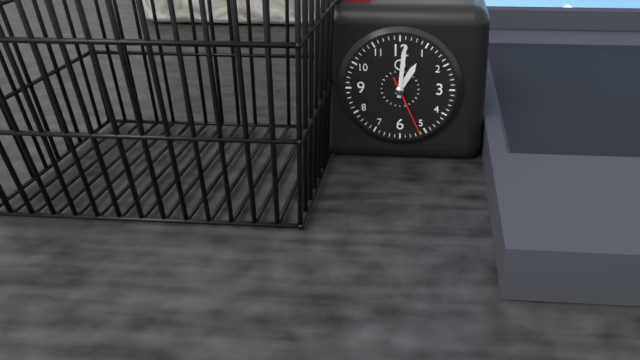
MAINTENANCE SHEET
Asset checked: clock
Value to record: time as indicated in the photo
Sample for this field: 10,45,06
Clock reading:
1,01,26
